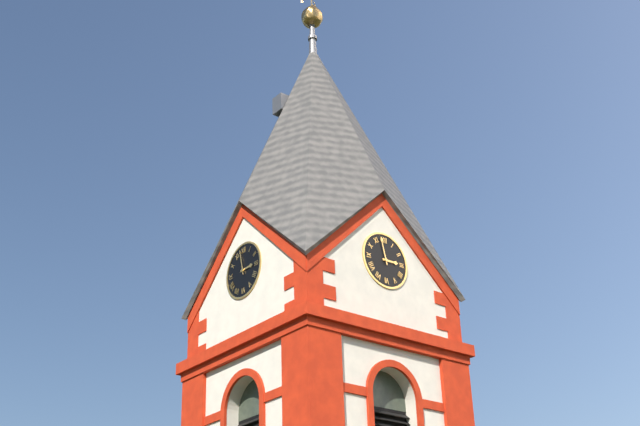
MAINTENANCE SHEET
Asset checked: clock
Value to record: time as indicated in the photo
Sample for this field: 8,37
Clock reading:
2,58
